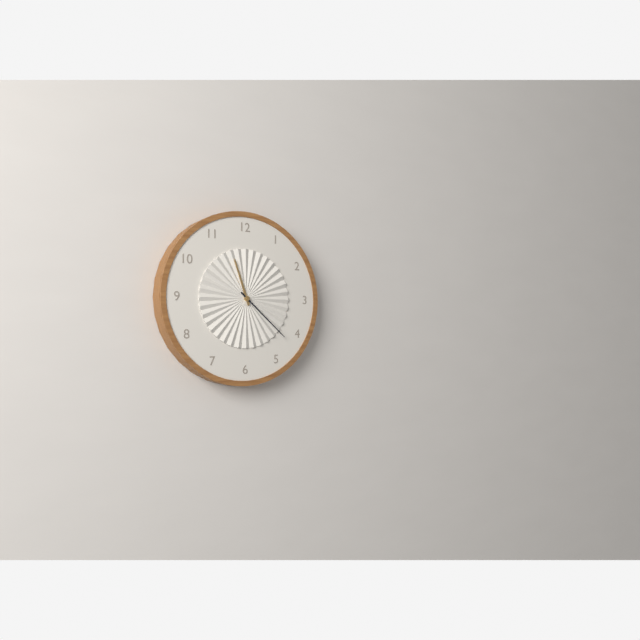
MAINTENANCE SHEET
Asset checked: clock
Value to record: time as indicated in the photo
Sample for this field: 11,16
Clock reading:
11,22
